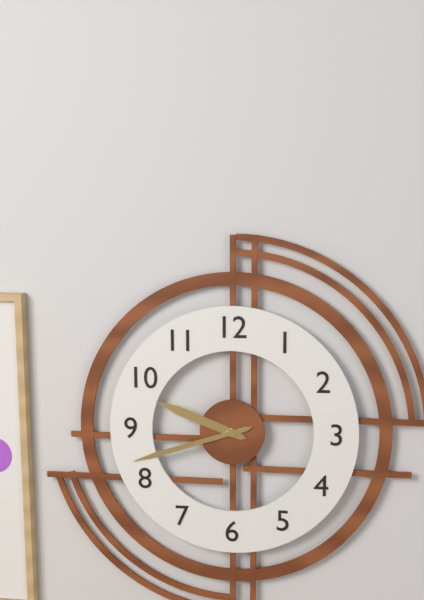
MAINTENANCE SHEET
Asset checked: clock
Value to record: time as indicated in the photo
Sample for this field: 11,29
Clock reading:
9,42
